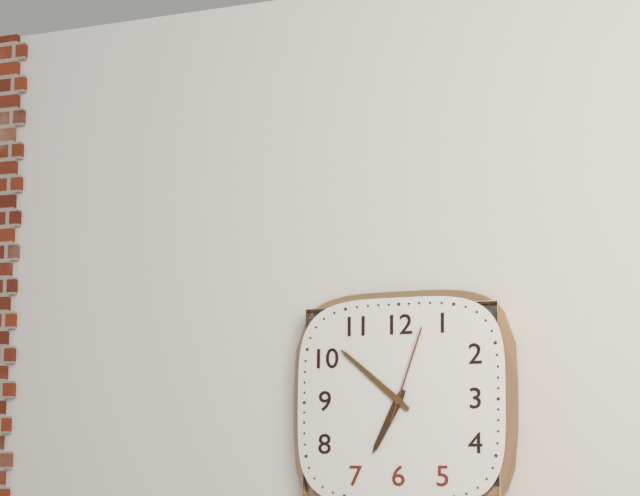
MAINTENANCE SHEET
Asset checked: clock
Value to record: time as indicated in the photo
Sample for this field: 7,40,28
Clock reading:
6,52,03
